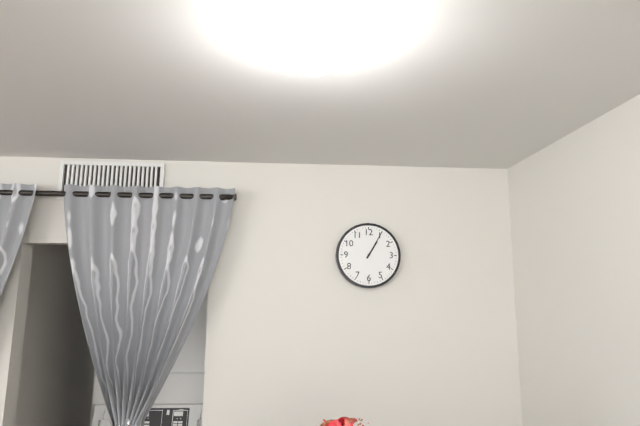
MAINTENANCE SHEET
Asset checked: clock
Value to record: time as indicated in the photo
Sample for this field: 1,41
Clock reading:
1,05
